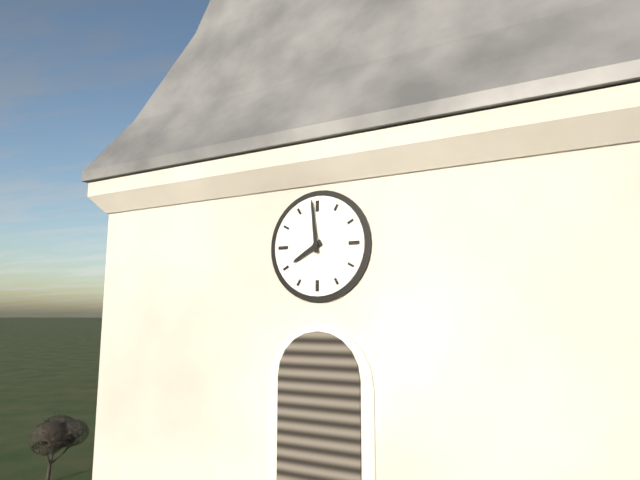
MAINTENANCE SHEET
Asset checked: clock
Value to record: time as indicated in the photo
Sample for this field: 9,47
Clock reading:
7,59
